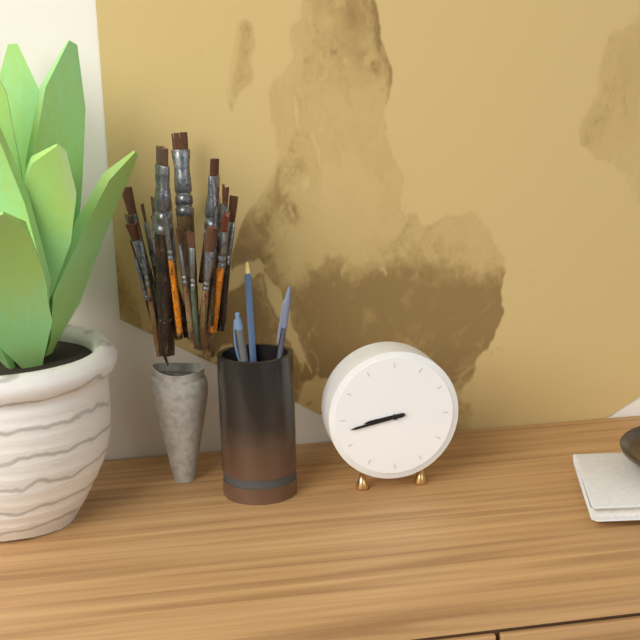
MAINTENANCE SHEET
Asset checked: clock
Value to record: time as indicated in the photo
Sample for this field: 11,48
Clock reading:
8,43
